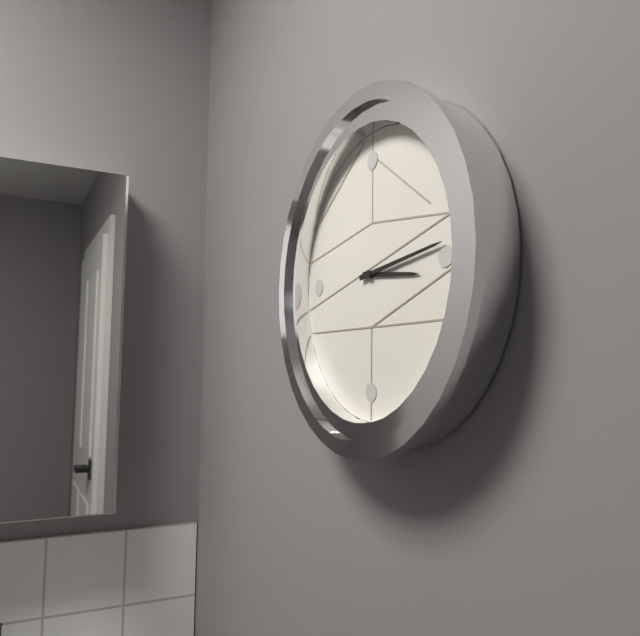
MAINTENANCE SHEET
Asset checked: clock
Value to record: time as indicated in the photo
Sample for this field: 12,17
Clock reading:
3,14
